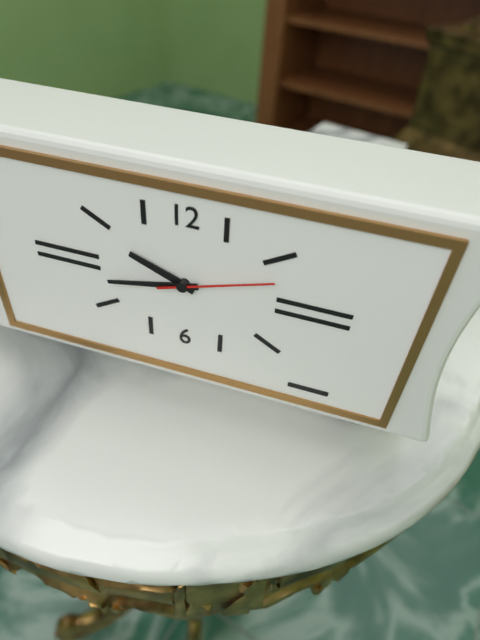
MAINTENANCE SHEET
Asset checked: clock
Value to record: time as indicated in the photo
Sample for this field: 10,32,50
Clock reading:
9,43,12
